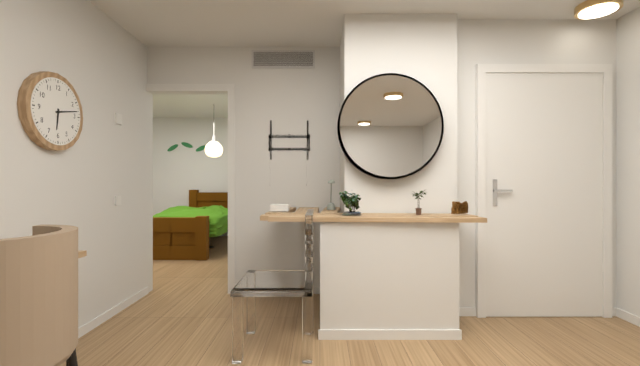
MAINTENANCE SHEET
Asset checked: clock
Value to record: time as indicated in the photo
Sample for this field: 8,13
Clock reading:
6,13
